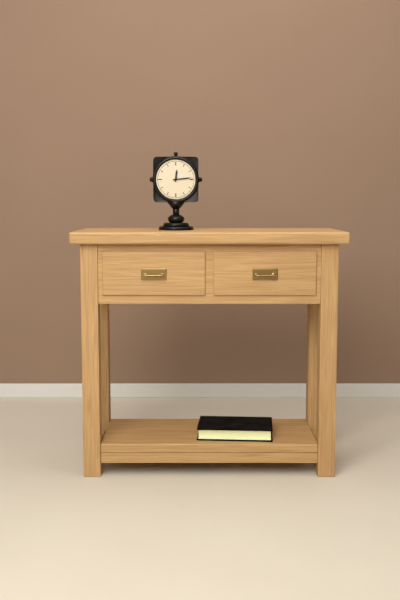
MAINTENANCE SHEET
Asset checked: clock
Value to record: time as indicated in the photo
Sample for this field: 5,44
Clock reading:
12,14
